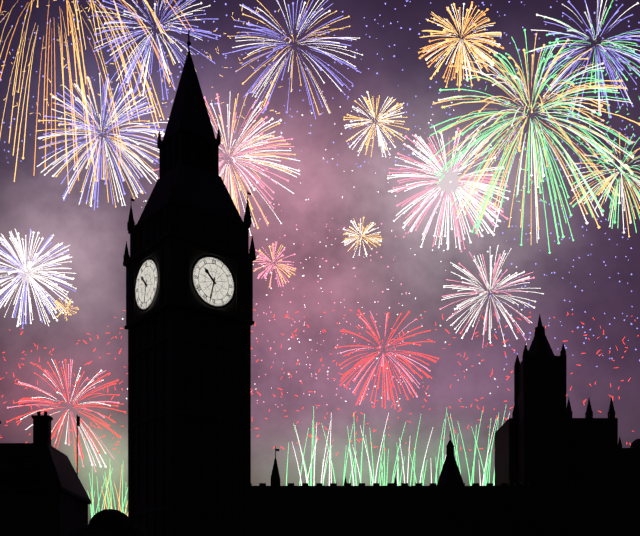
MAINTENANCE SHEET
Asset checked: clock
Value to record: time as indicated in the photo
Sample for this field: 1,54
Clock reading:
10,32
